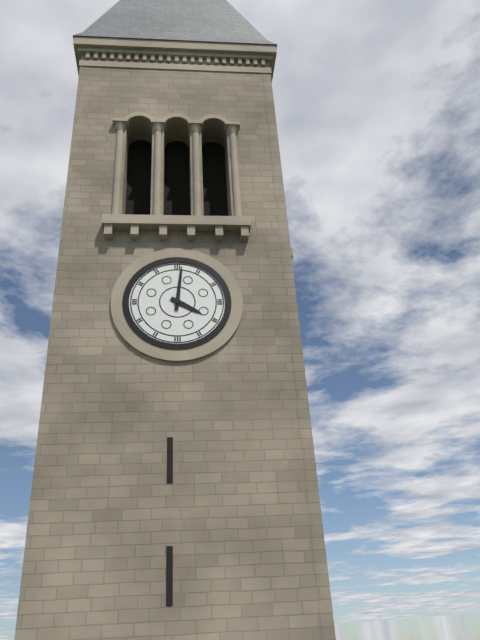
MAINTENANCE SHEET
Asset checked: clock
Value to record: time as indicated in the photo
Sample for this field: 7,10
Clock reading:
4,01
